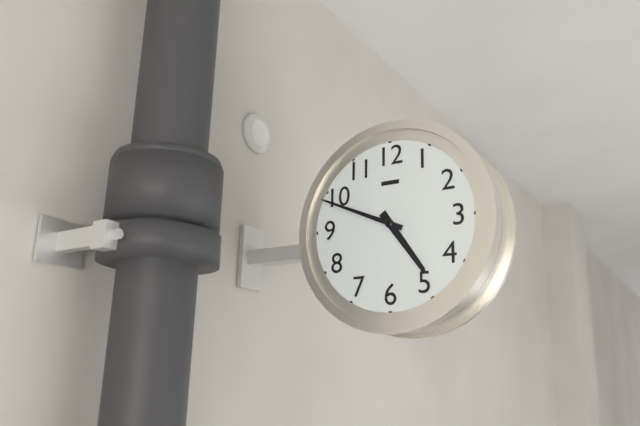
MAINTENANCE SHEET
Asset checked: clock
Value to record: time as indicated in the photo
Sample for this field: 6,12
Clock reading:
4,49
